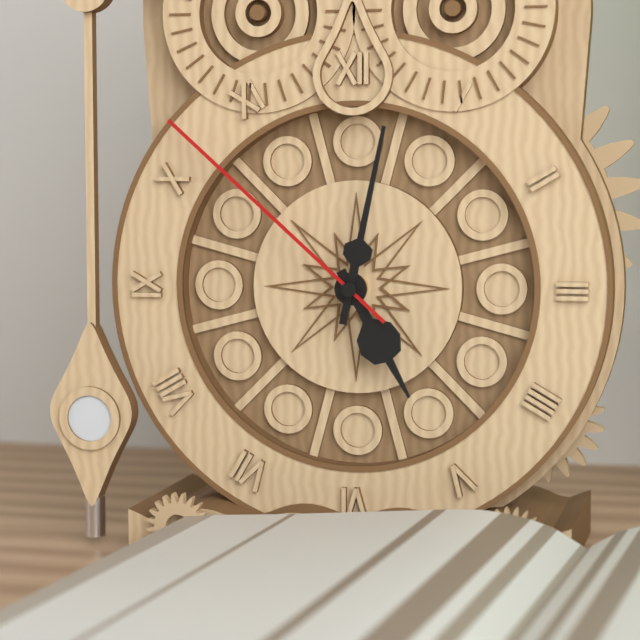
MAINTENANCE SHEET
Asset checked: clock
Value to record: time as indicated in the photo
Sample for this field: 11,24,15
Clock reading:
5,02,52
